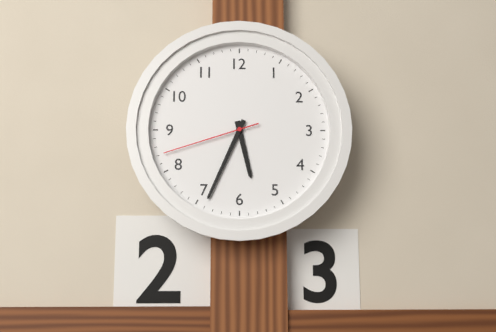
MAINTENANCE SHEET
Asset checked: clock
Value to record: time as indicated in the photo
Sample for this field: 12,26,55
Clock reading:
5,34,42
